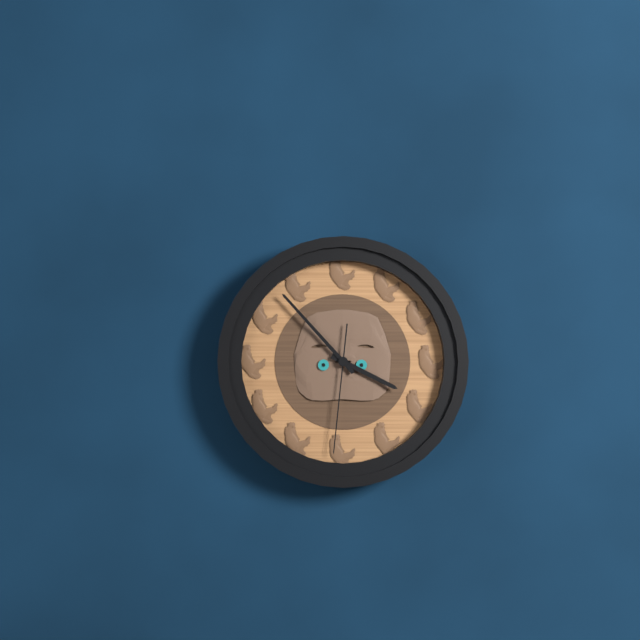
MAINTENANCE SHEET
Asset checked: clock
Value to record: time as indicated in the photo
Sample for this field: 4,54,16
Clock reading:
3,53,31
